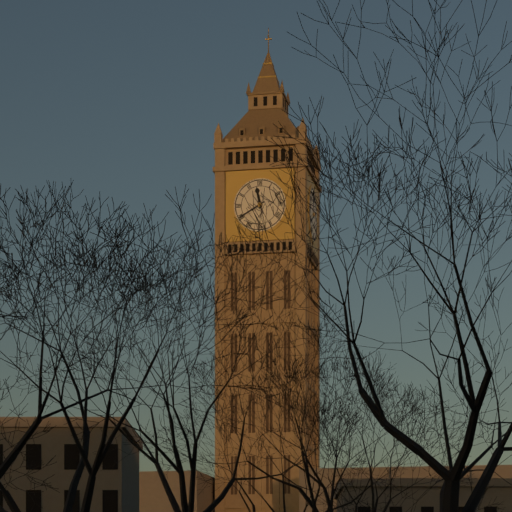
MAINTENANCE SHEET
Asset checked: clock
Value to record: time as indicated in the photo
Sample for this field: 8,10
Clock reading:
11,40
